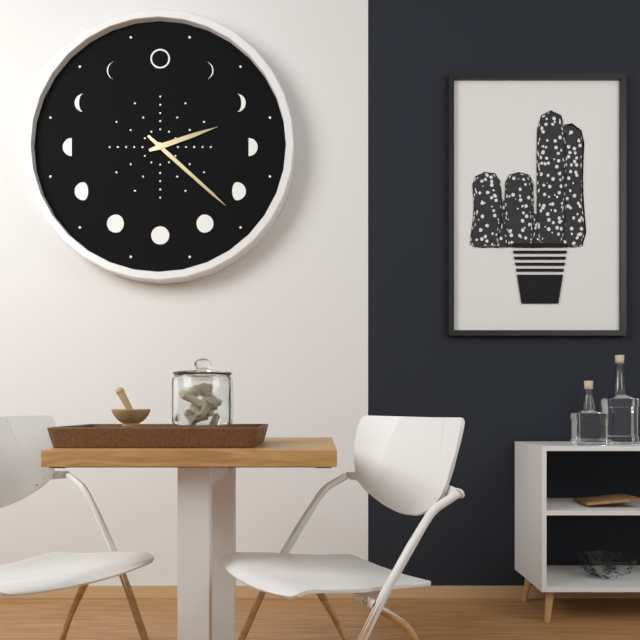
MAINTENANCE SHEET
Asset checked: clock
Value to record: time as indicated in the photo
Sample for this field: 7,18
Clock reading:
2,22
